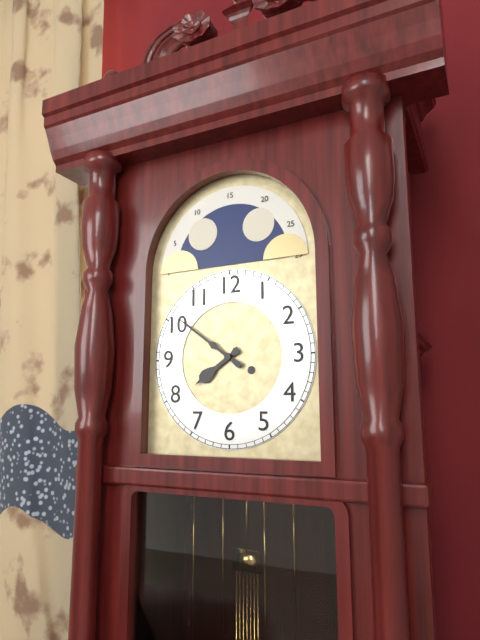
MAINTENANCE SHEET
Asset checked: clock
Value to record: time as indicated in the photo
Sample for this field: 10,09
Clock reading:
7,51
